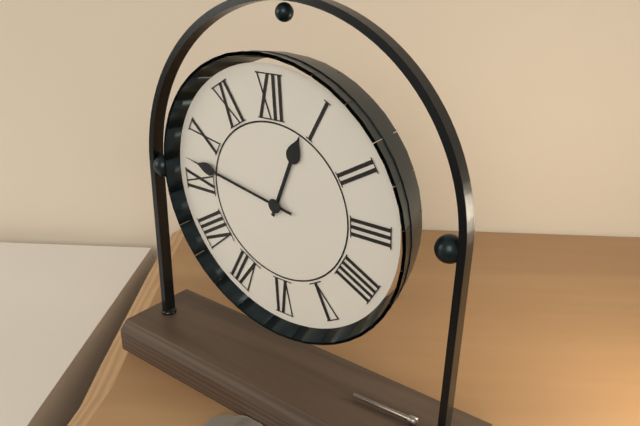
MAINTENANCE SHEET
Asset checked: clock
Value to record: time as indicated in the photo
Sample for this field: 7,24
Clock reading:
12,47
